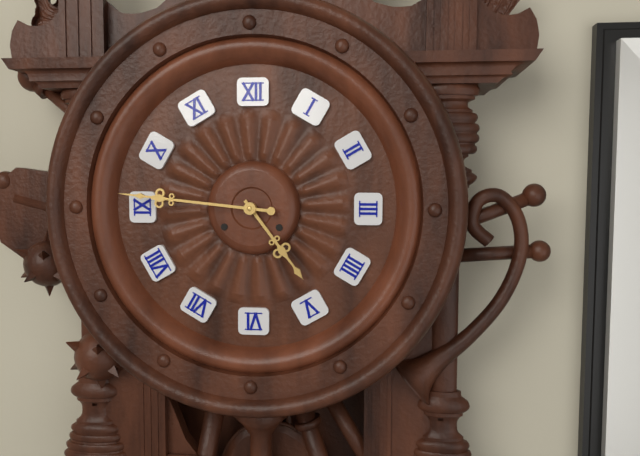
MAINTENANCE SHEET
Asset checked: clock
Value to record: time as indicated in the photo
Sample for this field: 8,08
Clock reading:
4,46
